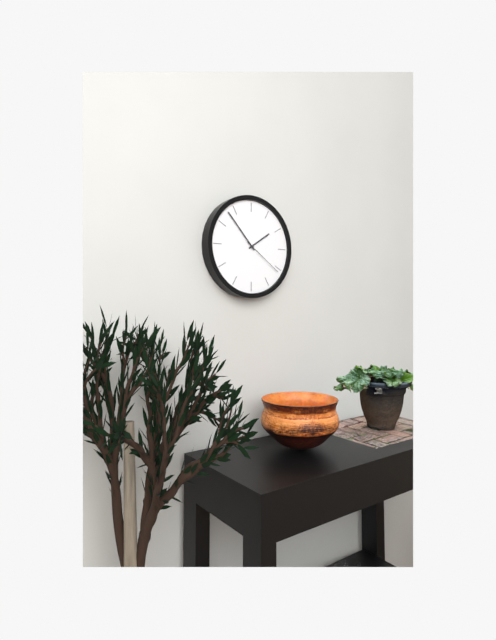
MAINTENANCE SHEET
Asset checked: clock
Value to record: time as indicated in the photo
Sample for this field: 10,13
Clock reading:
1,53
